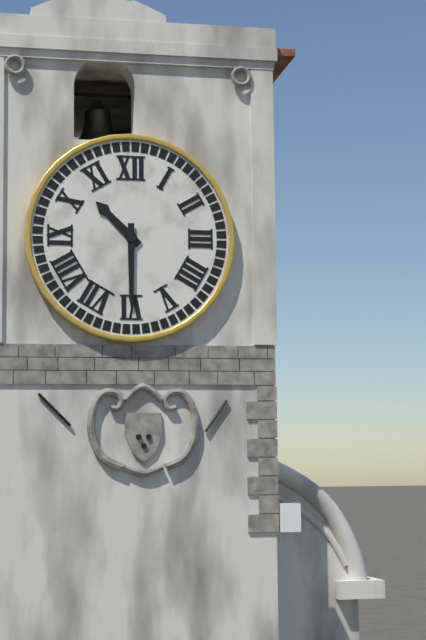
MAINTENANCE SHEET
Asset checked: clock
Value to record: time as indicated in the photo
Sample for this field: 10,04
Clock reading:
10,30
